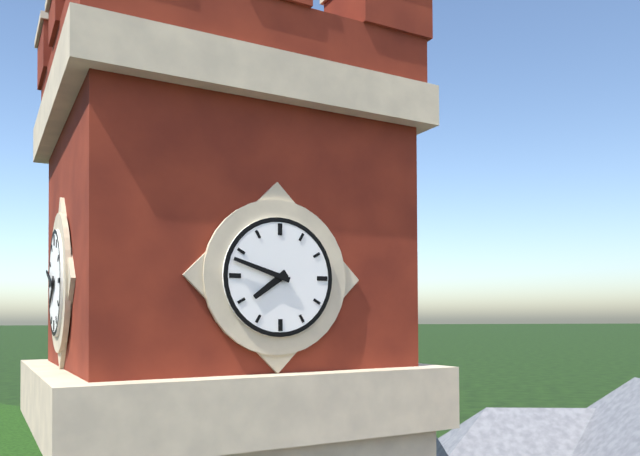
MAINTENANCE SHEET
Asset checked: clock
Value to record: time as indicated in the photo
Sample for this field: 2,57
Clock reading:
7,48
